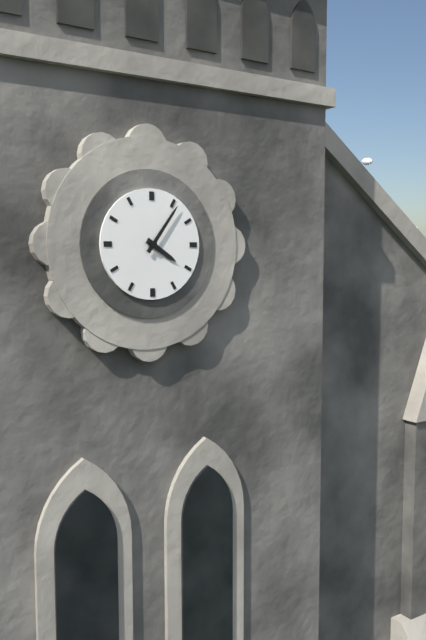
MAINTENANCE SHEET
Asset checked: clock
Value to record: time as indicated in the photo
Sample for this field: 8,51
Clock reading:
4,06
